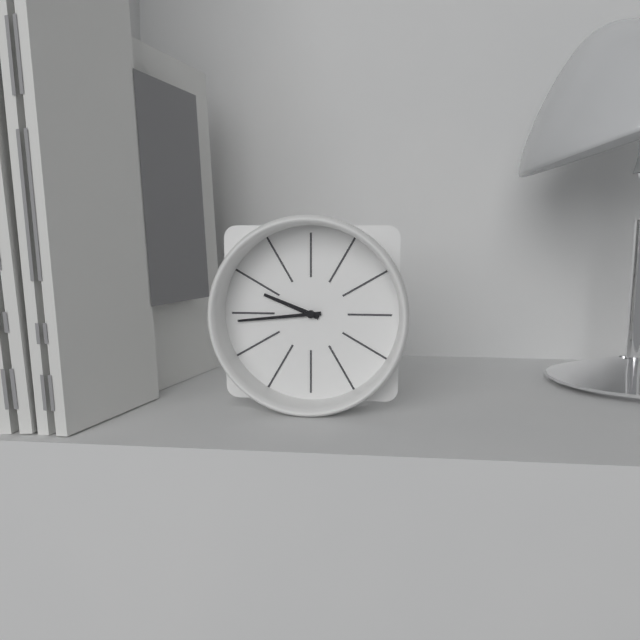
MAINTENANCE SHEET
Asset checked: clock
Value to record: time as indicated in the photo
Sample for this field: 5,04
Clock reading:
9,44
